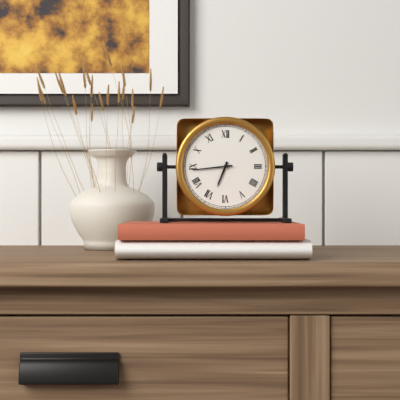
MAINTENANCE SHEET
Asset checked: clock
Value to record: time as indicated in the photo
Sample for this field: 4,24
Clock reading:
6,44
